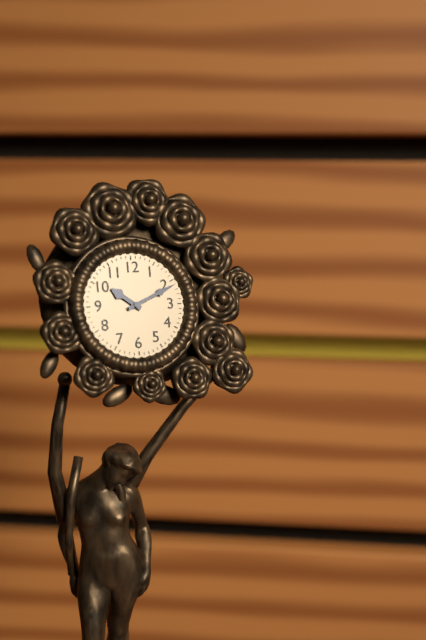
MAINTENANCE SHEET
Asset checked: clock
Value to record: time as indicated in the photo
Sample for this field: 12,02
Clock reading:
10,11
